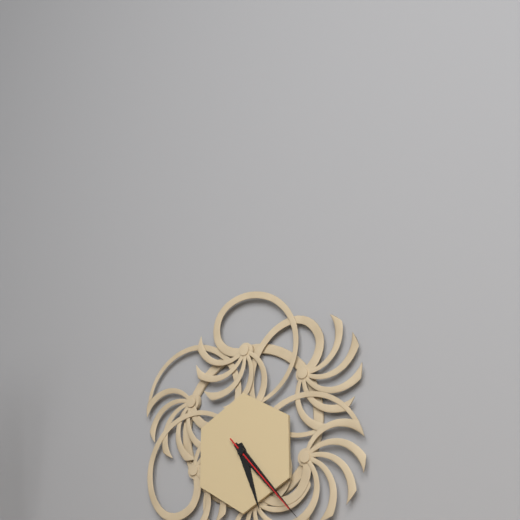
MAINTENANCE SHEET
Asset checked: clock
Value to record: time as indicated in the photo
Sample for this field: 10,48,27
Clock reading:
5,23,23
